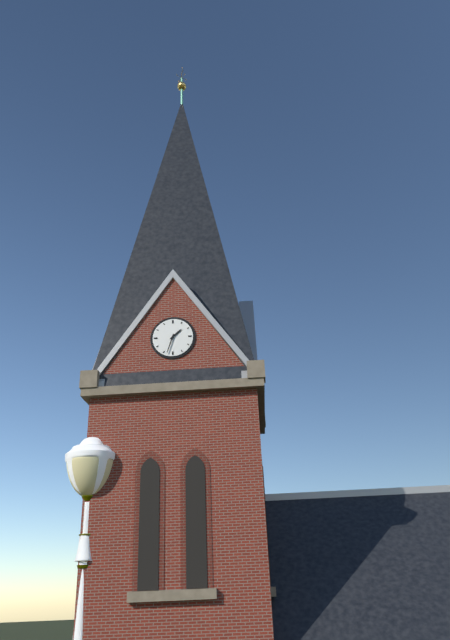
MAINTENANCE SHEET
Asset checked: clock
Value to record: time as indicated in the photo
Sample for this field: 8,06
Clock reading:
1,33
